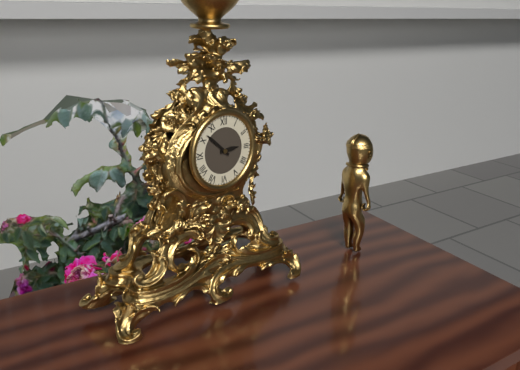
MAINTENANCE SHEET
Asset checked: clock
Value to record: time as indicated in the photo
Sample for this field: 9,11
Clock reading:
2,52
